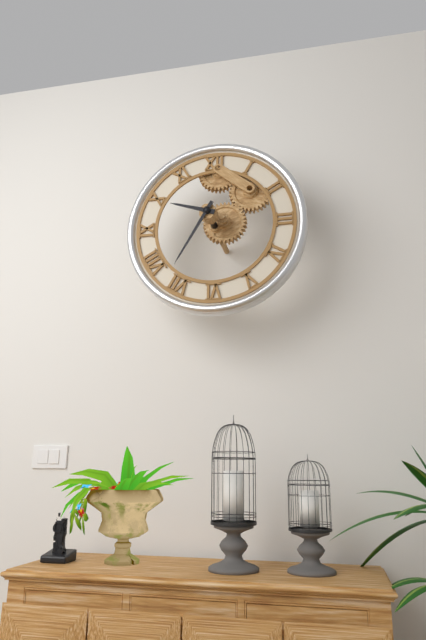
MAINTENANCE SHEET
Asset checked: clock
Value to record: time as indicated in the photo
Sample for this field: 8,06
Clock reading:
9,35
